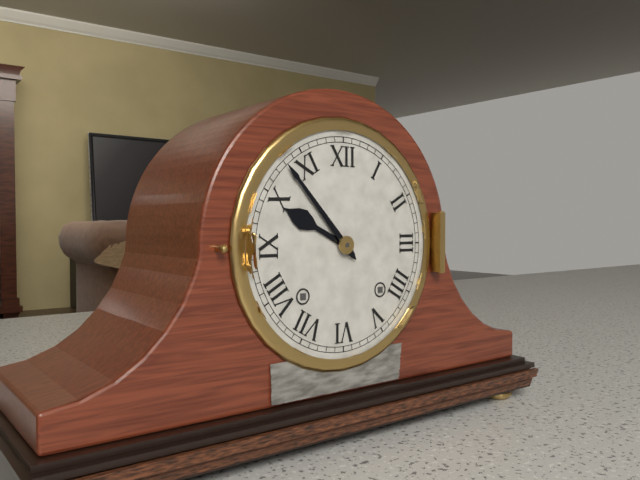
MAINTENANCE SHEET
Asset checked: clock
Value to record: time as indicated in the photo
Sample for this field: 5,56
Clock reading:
9,53
